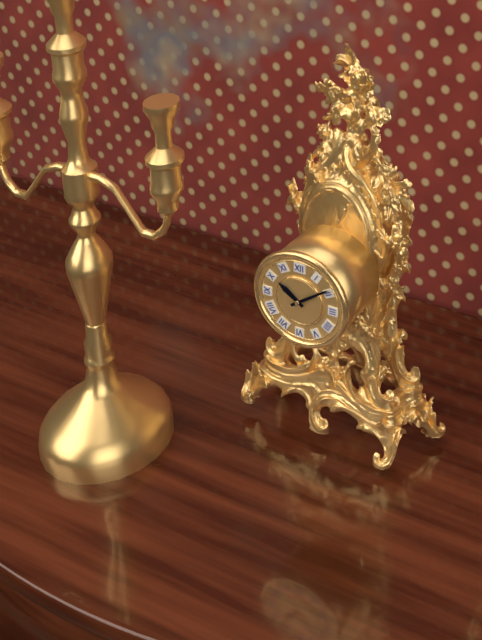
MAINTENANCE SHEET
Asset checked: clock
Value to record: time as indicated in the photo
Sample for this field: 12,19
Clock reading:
10,09
